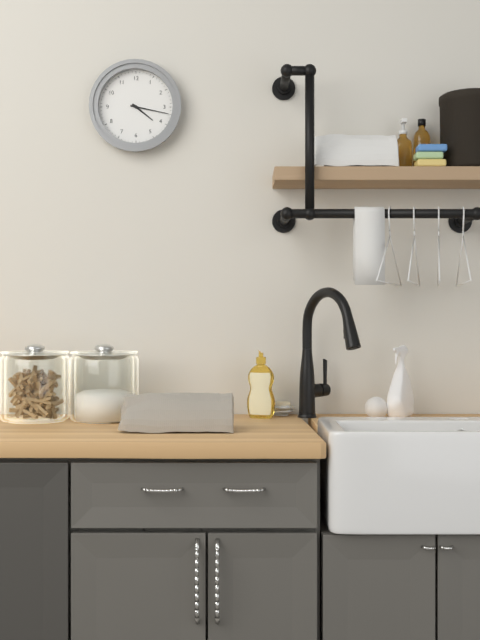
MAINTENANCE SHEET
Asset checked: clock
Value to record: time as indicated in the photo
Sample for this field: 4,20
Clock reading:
4,17
